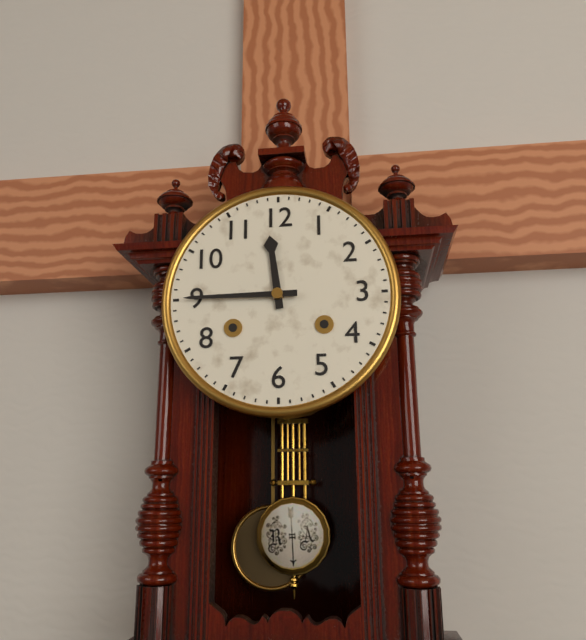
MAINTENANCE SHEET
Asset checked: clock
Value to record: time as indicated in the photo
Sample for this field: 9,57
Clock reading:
11,45
